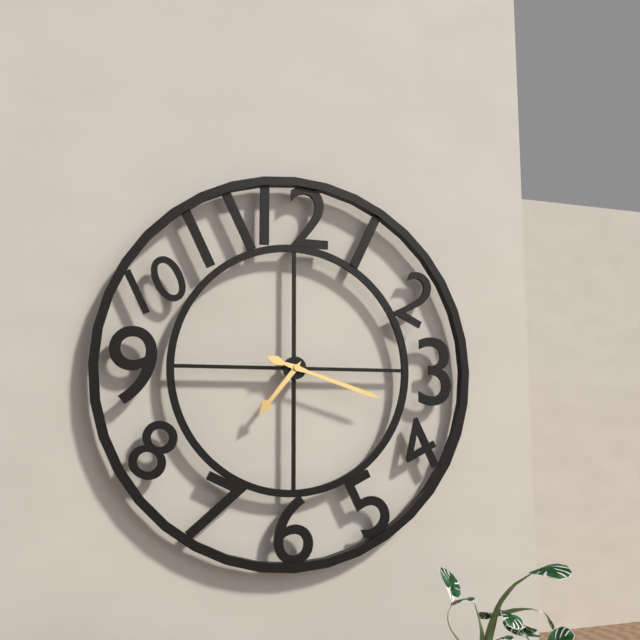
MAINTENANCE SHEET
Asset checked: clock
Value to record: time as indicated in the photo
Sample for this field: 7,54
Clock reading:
7,18
